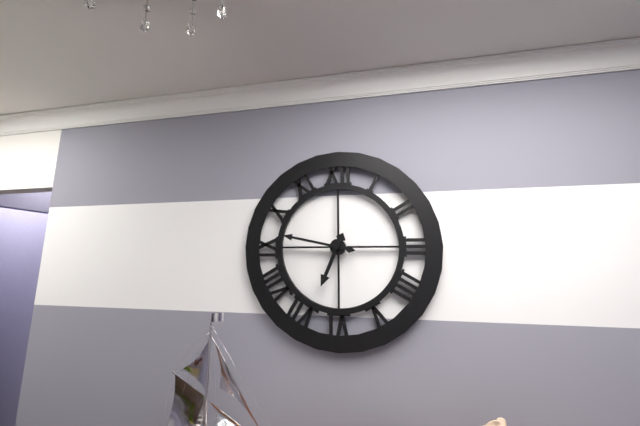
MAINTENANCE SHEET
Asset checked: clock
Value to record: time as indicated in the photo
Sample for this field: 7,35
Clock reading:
6,47
